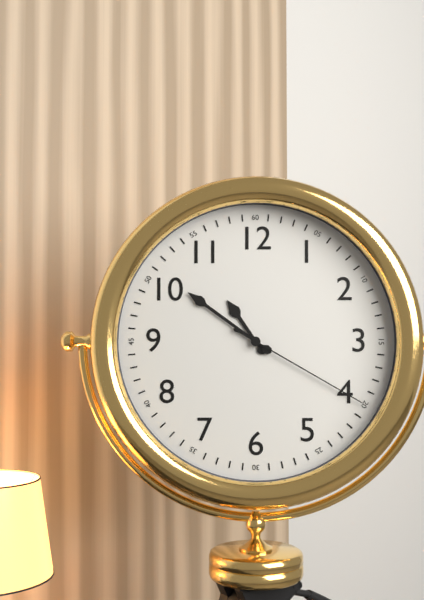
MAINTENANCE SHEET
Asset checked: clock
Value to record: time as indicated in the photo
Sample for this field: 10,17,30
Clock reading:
10,51,20
